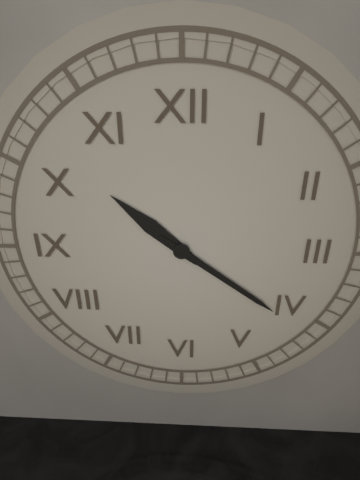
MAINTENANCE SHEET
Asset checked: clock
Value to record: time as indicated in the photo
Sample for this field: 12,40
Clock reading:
10,21
